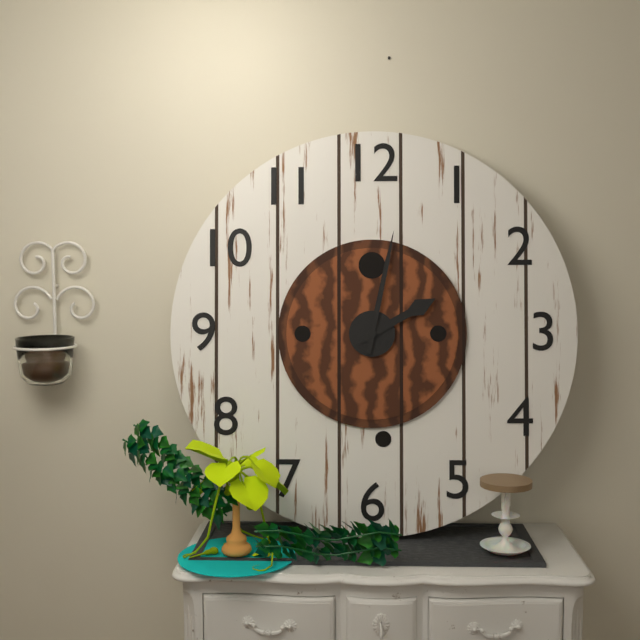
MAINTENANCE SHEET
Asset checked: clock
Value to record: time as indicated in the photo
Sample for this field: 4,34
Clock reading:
2,02
